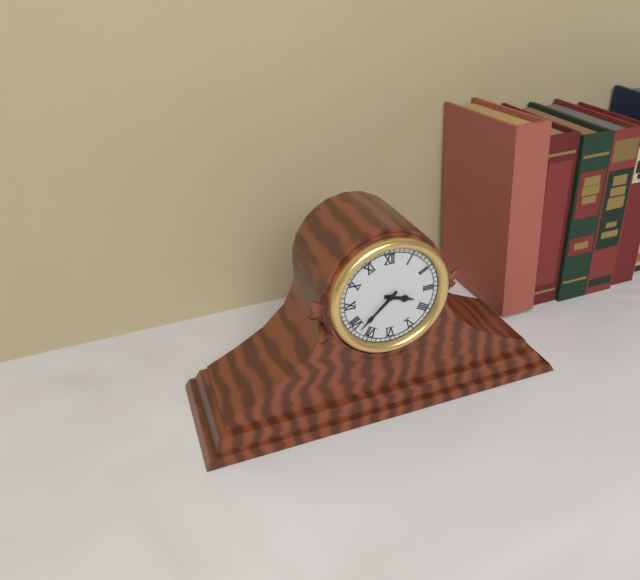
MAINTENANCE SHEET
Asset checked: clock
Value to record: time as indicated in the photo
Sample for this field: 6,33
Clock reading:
3,38
